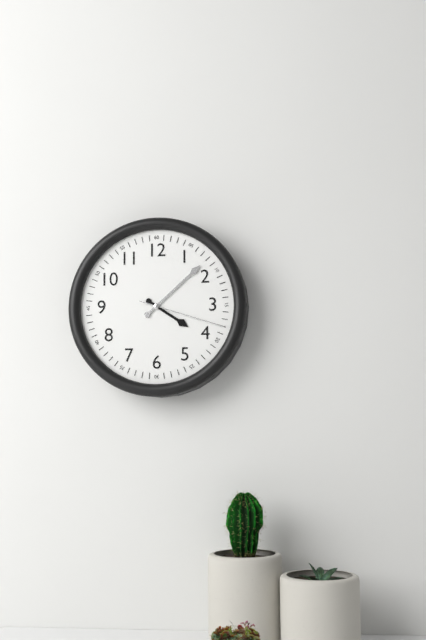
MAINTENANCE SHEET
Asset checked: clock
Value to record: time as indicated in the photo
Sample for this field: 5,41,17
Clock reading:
4,08,18
